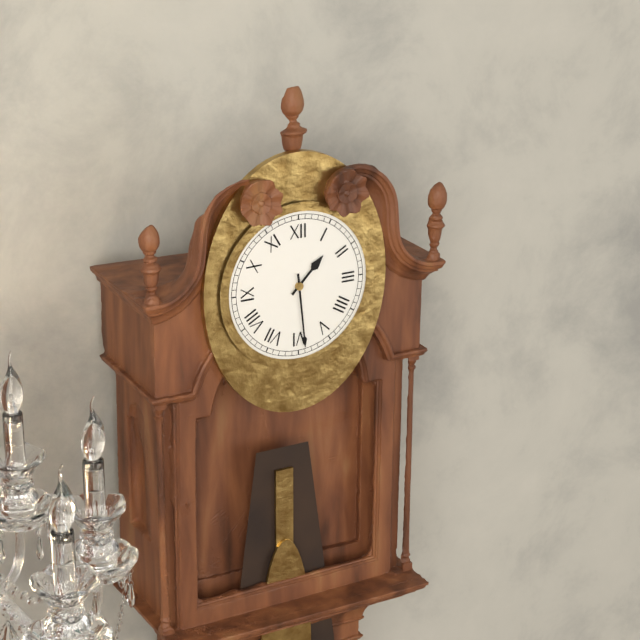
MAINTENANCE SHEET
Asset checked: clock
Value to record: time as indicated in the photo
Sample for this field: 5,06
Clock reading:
1,29
